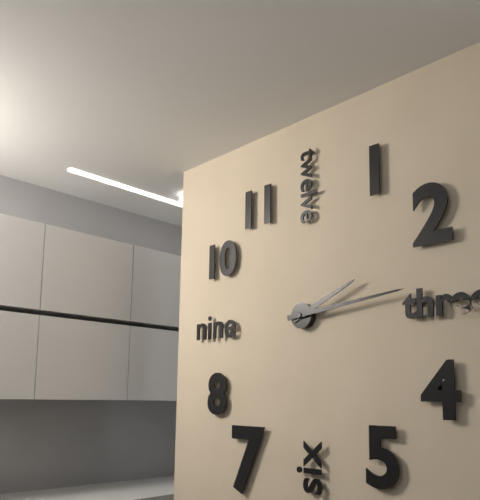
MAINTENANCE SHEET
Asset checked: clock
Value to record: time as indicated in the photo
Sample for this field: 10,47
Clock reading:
2,14
